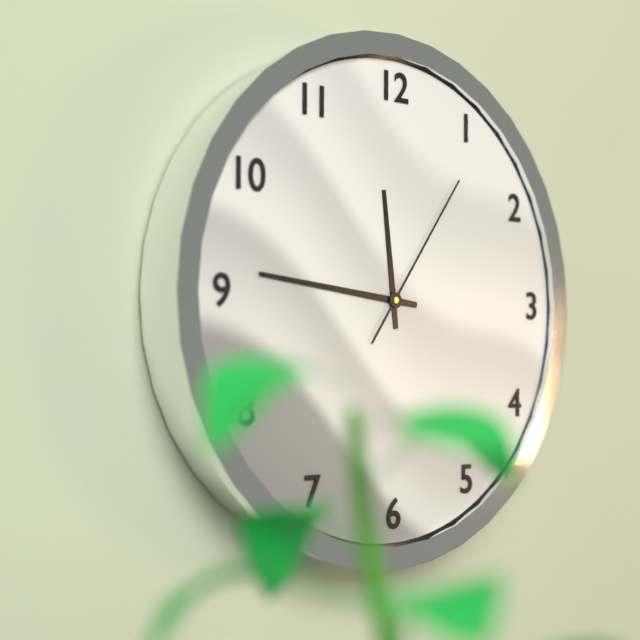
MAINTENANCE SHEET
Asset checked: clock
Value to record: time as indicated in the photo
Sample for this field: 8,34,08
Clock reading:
11,46,06
